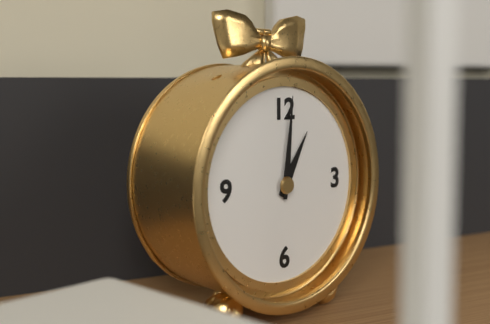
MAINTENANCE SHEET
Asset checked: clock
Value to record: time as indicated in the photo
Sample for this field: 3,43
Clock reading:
1,01
